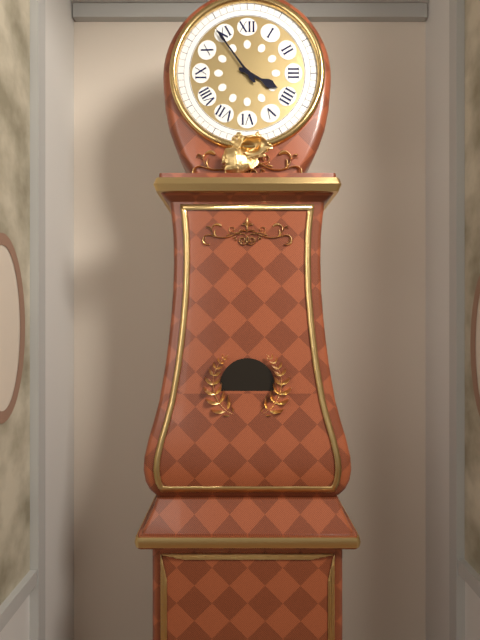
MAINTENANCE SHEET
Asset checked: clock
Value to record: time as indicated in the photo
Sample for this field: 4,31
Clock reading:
3,54
